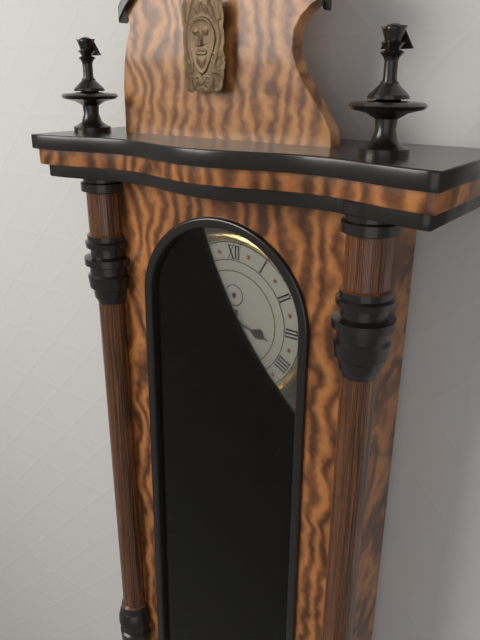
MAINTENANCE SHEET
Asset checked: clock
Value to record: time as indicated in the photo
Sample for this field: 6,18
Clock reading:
3,35
